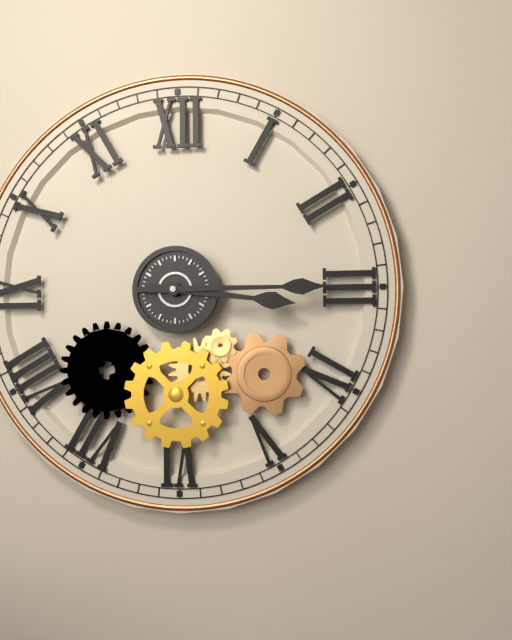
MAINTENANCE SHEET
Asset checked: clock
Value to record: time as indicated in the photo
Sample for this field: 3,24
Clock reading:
3,15
